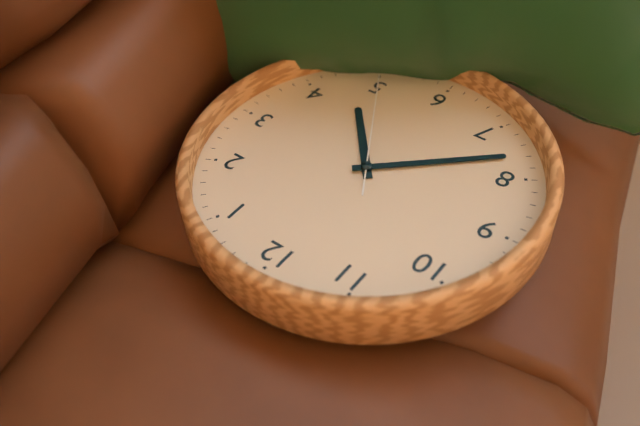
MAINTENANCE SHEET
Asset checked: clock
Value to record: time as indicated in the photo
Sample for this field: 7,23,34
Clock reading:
4,38,25
